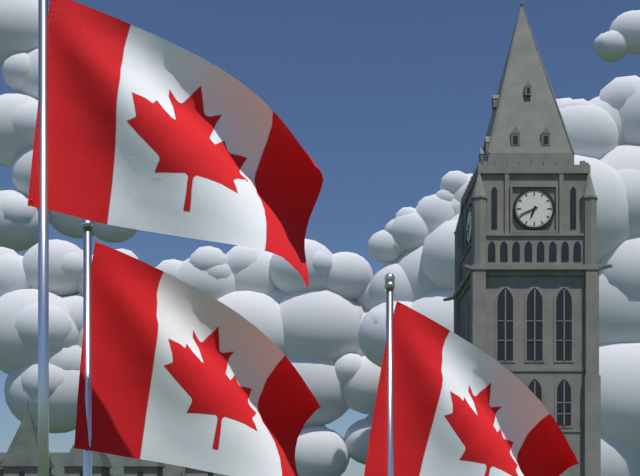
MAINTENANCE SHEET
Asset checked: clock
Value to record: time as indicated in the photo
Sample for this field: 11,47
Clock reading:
6,41
